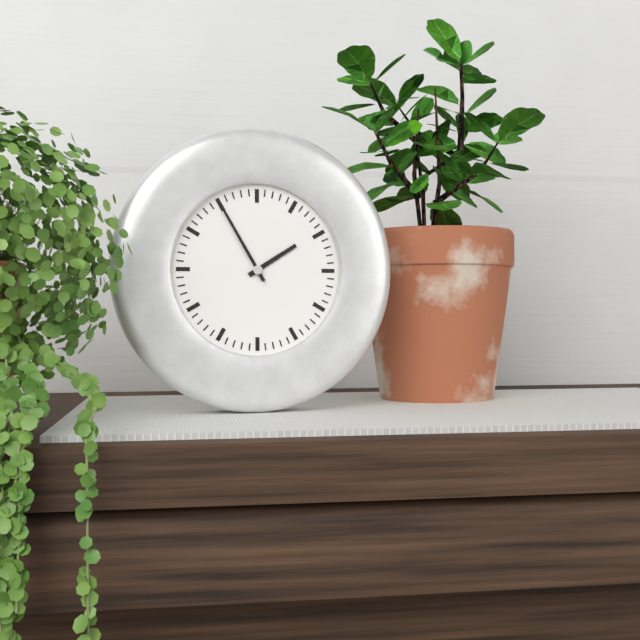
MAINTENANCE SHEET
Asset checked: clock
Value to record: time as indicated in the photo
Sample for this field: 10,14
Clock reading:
1,55
